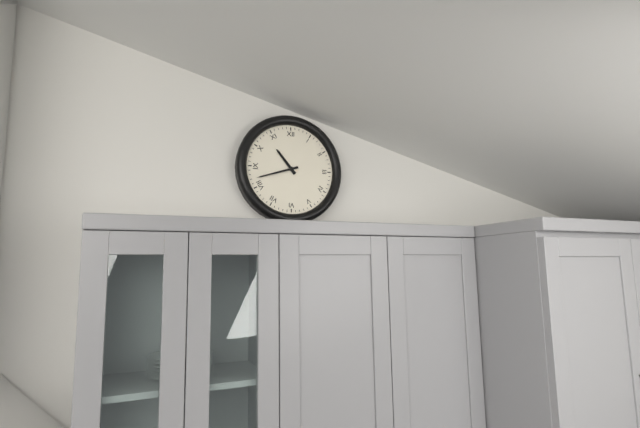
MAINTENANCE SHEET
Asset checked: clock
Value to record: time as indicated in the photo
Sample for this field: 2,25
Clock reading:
10,42
